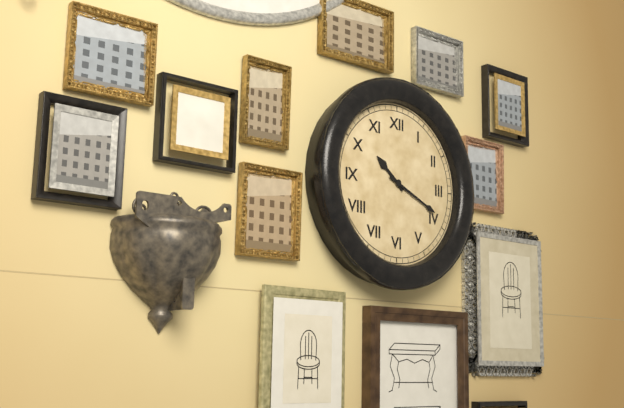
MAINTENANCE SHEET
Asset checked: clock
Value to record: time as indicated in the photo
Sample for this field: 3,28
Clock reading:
10,19
